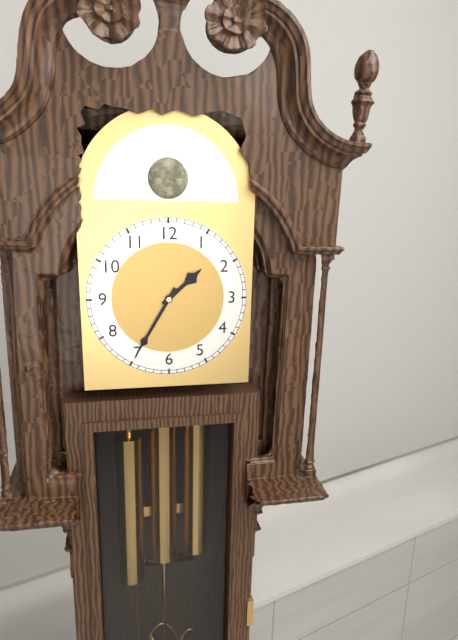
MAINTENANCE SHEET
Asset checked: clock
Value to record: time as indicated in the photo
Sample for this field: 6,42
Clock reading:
1,35
